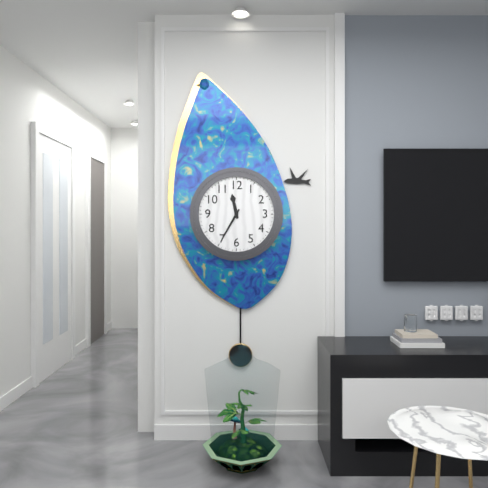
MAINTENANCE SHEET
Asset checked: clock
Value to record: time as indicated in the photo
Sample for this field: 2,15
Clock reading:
11,35
